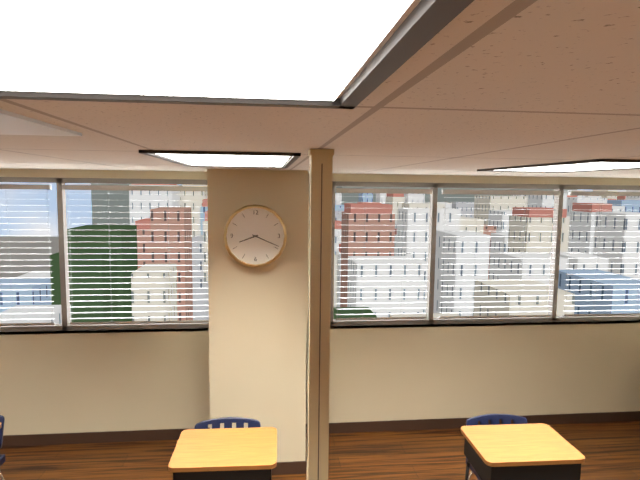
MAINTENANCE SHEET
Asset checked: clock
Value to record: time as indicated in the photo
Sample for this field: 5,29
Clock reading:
8,19
